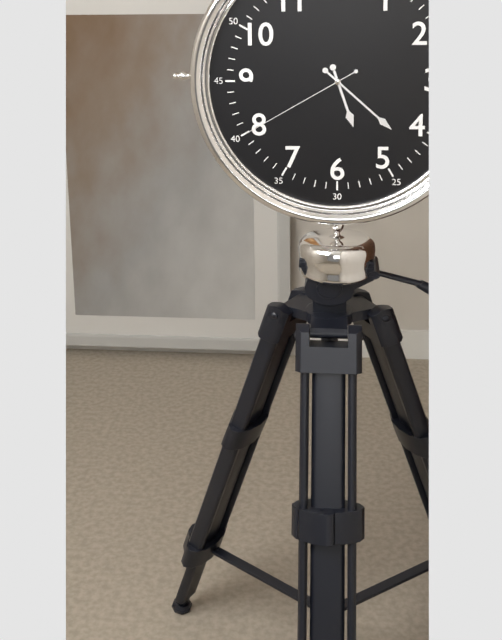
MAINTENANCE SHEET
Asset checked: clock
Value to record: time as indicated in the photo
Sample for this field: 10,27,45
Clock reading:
5,22,40
